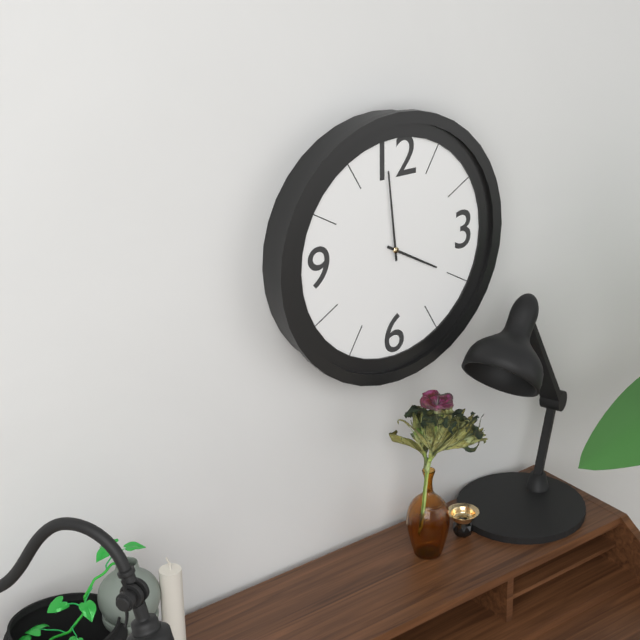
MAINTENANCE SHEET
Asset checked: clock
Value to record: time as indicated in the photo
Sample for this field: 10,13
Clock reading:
3,59
